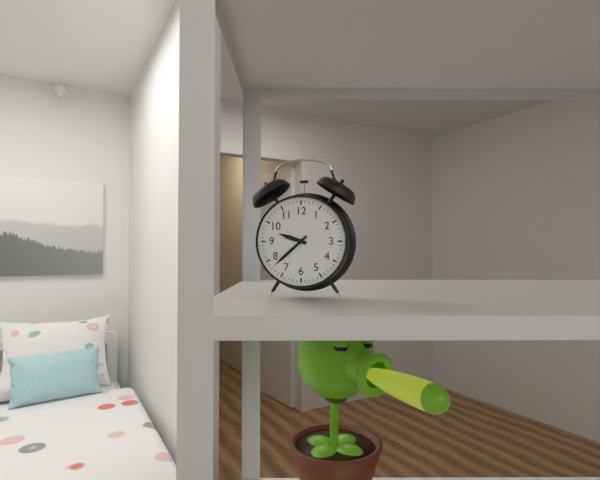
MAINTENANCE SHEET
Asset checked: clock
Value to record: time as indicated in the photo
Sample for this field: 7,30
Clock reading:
9,38
